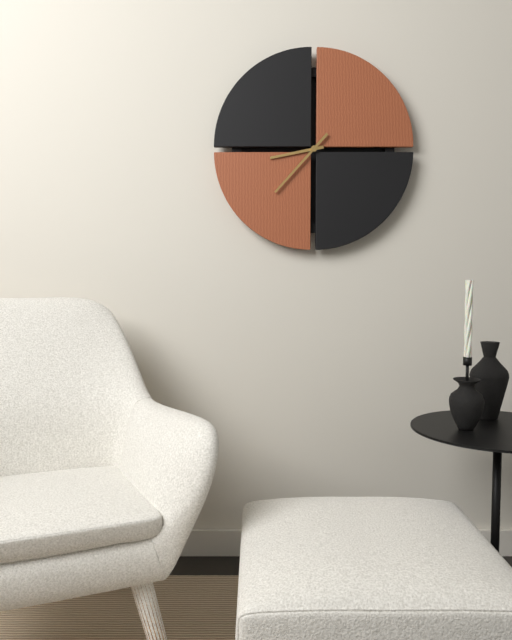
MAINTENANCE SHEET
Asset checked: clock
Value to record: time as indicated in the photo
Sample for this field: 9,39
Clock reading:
8,37
